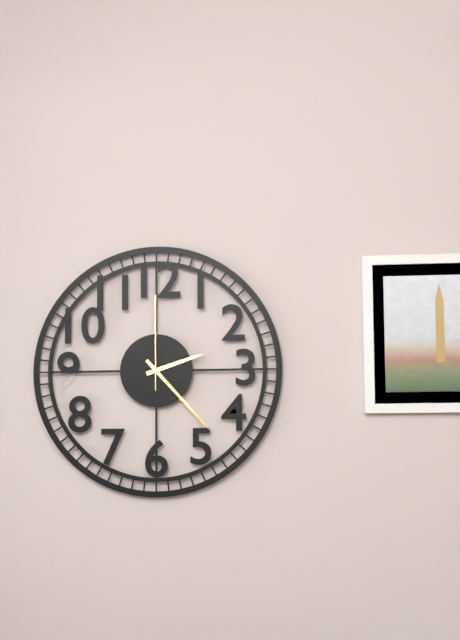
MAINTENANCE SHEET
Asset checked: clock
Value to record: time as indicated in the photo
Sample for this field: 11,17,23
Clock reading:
2,23,00
